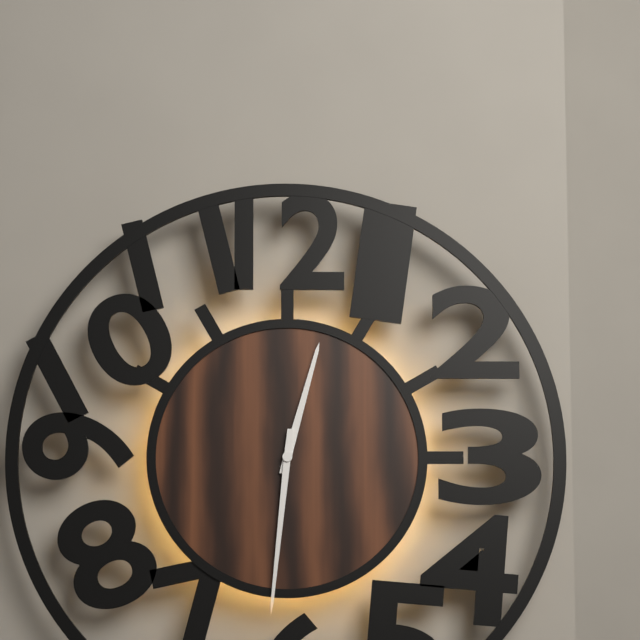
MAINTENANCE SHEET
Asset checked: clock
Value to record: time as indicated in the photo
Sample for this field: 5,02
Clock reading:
12,31
